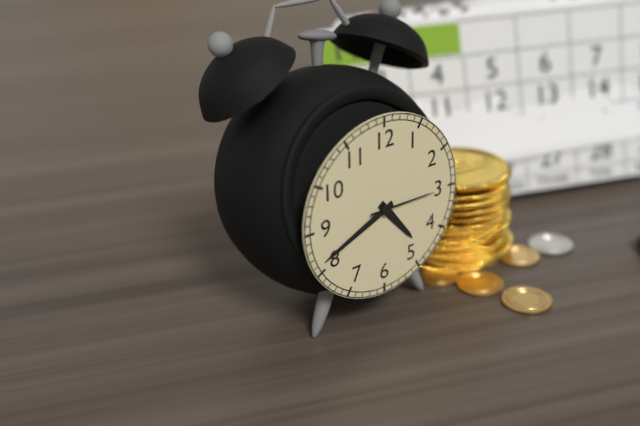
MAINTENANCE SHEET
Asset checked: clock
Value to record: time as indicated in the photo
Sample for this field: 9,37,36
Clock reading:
4,41,15
